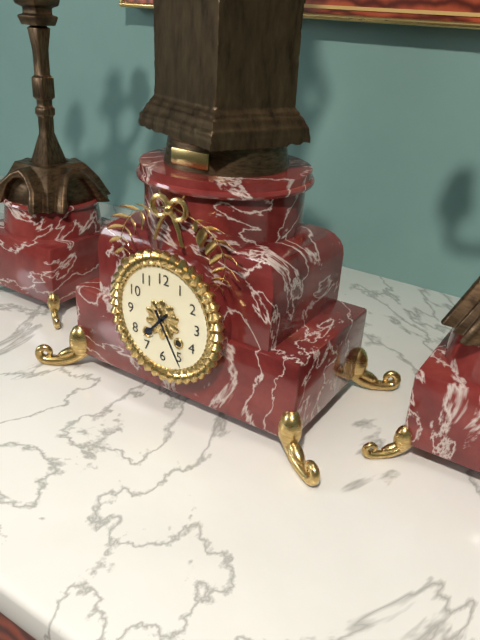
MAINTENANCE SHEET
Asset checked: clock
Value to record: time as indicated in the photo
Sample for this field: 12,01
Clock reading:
7,25
